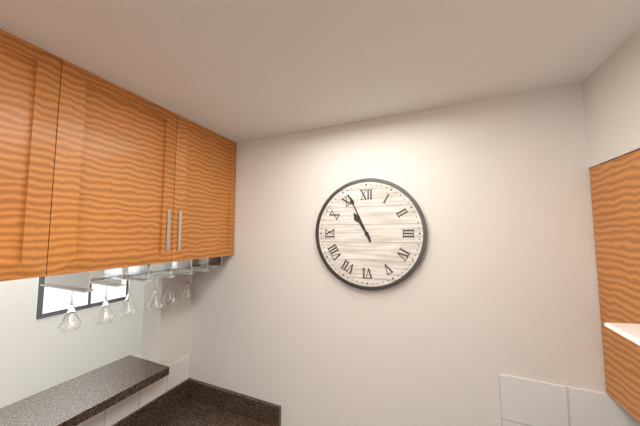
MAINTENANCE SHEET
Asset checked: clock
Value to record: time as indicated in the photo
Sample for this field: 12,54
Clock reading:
10,56
